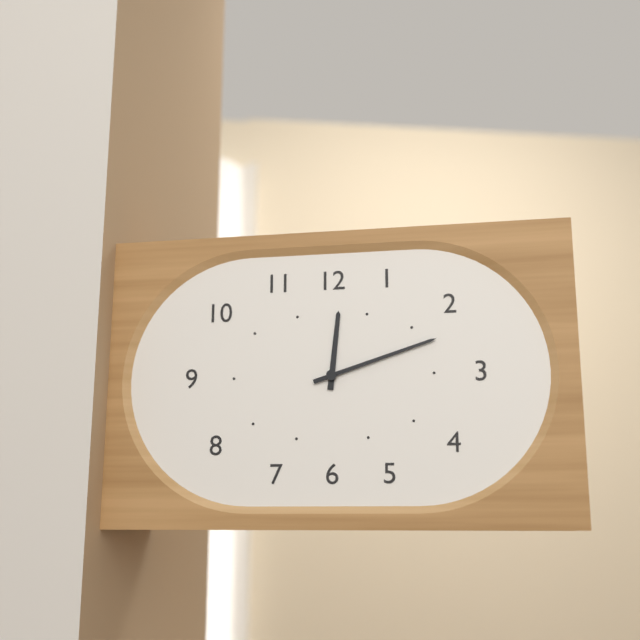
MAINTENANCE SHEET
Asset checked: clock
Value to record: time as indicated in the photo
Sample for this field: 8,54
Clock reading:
12,12
